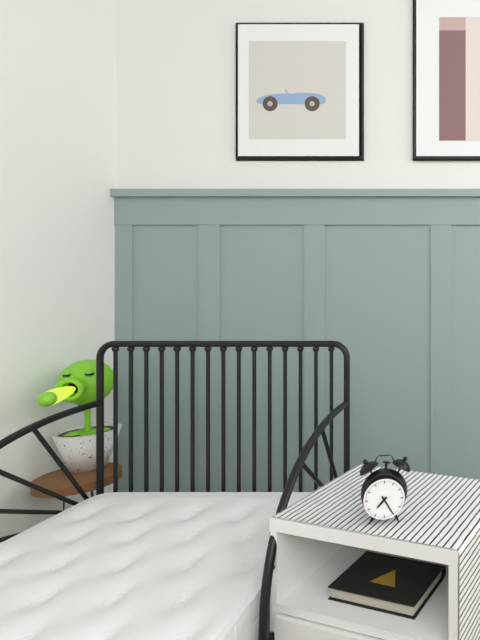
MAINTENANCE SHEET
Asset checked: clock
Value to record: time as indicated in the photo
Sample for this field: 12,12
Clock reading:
7,25
